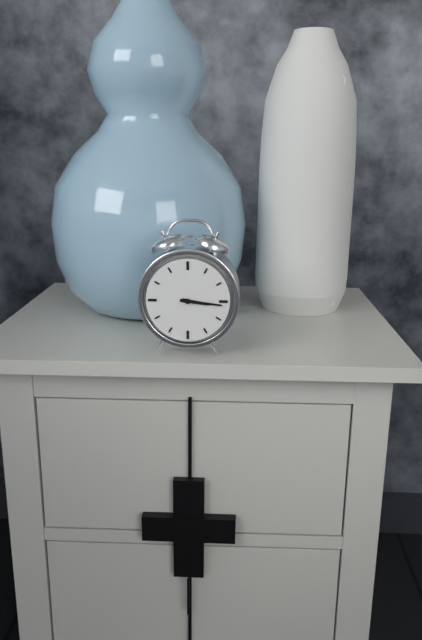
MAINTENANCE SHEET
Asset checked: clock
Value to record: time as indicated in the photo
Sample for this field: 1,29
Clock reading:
3,16
